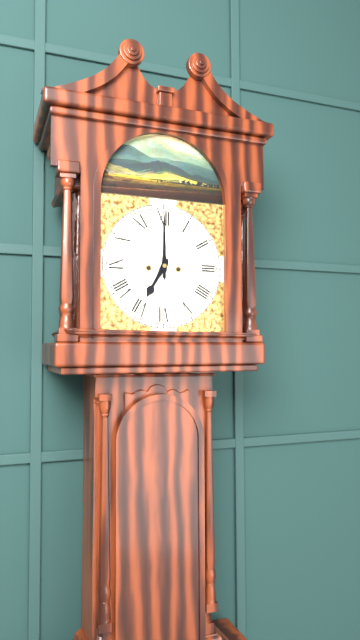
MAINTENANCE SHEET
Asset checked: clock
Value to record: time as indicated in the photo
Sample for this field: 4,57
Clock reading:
7,00
